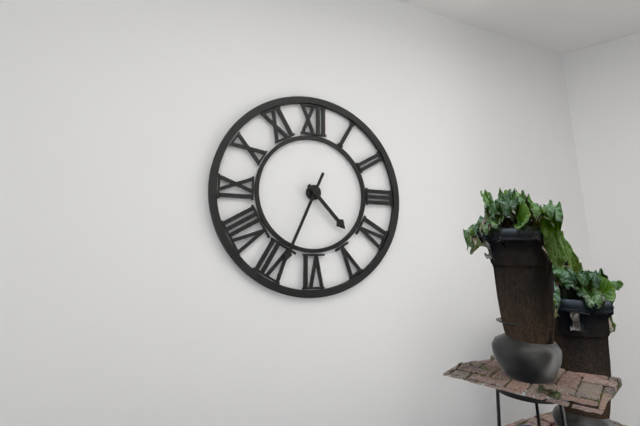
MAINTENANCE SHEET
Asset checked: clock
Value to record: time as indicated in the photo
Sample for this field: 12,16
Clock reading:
4,34
